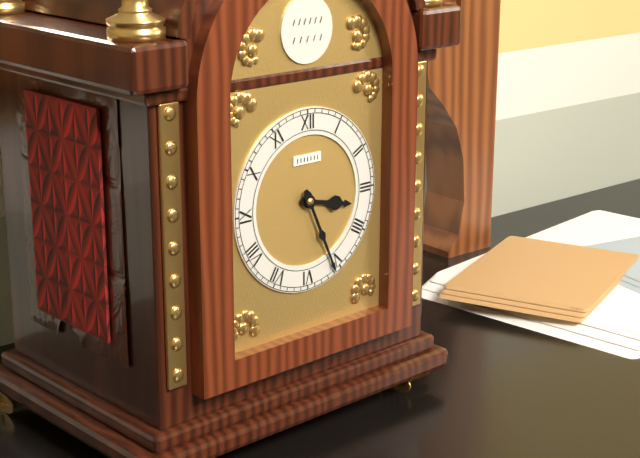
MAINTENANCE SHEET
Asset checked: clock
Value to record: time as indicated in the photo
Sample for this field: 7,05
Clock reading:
3,26
